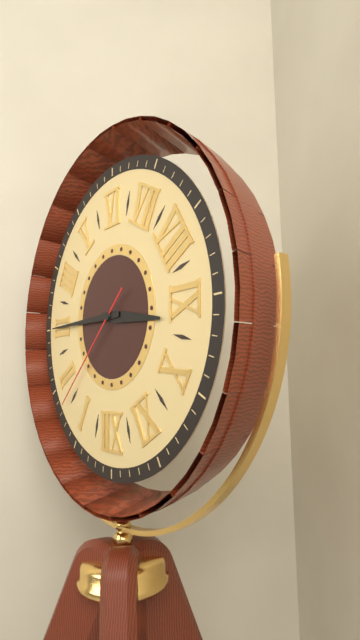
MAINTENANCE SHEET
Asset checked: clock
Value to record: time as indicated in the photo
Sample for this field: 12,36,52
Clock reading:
9,15,08
